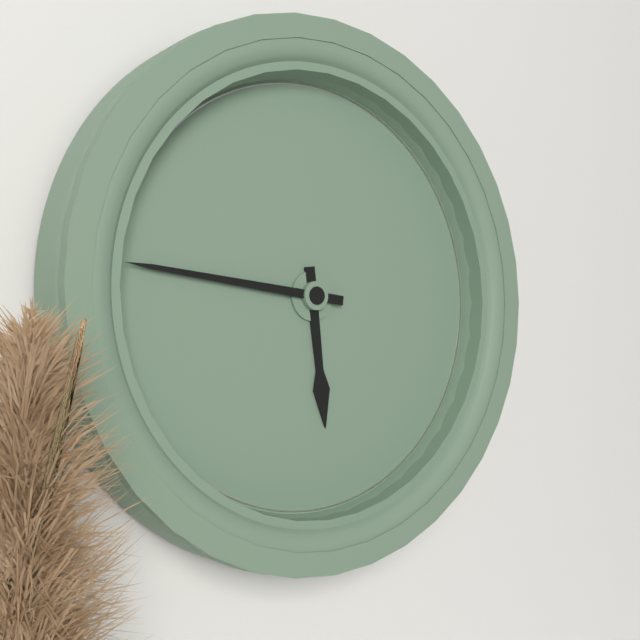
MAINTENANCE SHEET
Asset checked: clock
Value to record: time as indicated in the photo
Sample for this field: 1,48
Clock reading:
5,46
